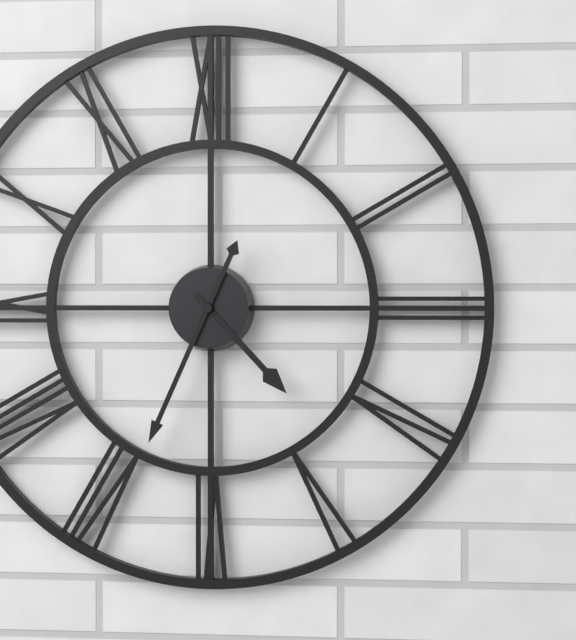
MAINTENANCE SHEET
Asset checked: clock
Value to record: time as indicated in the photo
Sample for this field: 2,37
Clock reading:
4,34
